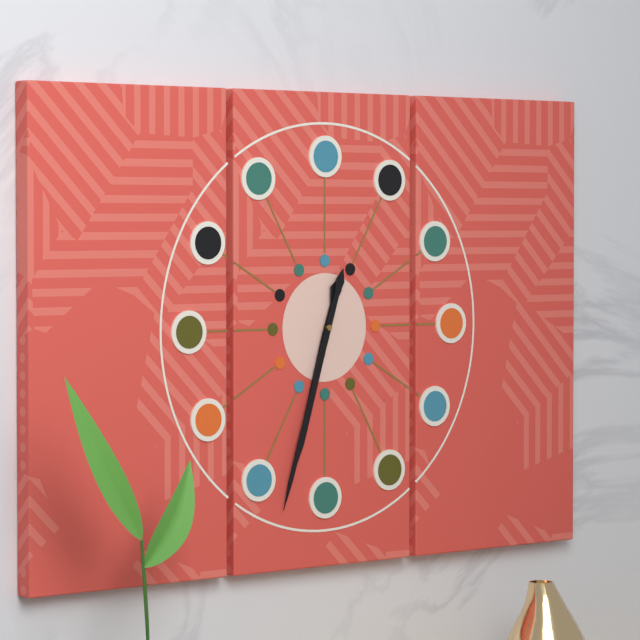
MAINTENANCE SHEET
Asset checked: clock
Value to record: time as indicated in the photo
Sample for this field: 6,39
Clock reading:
6,33
